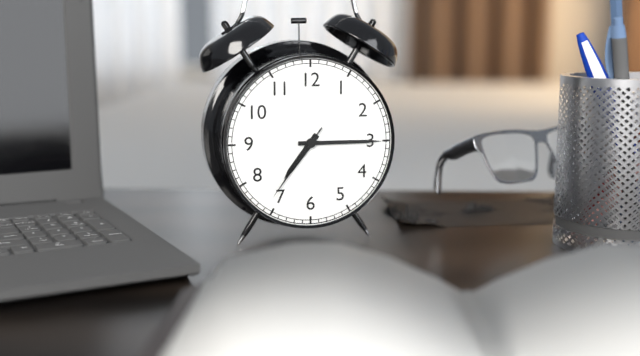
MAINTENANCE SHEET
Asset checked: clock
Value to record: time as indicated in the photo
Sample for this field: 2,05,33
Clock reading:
7,15,36
